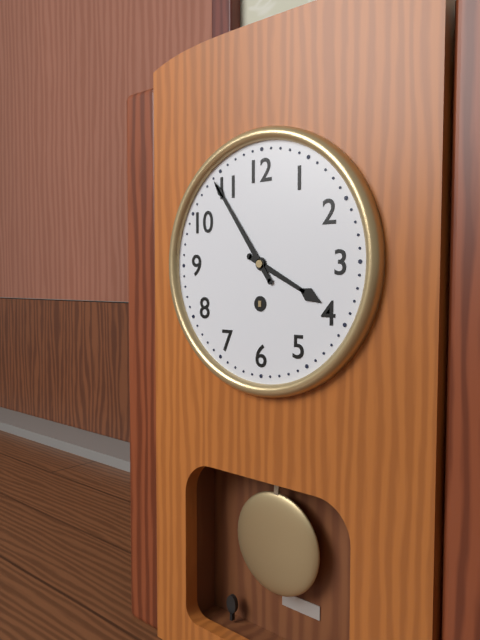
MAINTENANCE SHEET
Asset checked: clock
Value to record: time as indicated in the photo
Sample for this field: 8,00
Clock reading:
3,54
